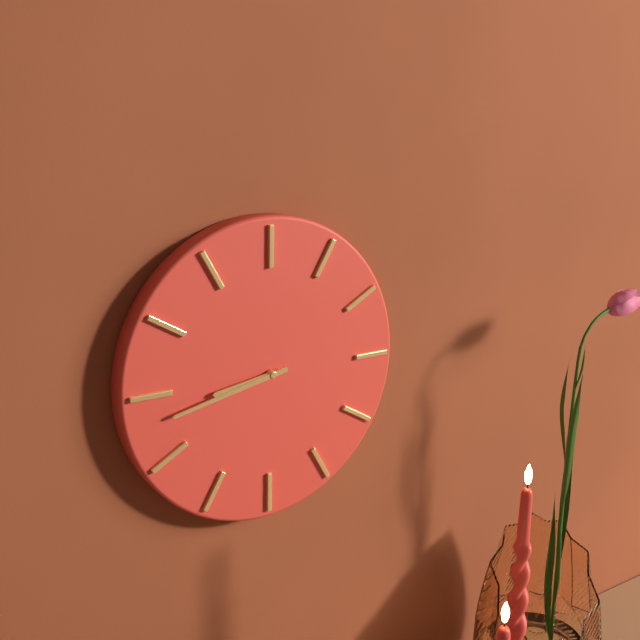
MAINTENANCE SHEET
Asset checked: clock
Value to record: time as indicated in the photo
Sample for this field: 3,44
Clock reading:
8,43
